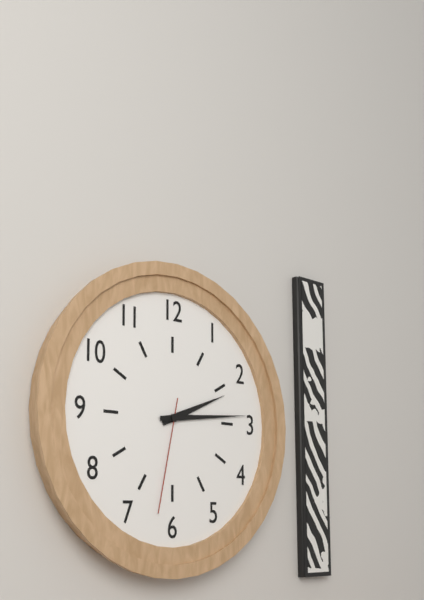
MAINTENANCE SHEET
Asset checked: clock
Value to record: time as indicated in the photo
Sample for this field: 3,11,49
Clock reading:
2,14,32
